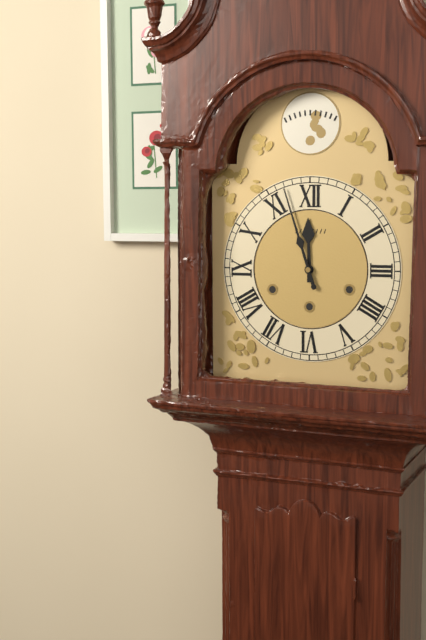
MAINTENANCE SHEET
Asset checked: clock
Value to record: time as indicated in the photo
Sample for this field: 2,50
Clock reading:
11,57
